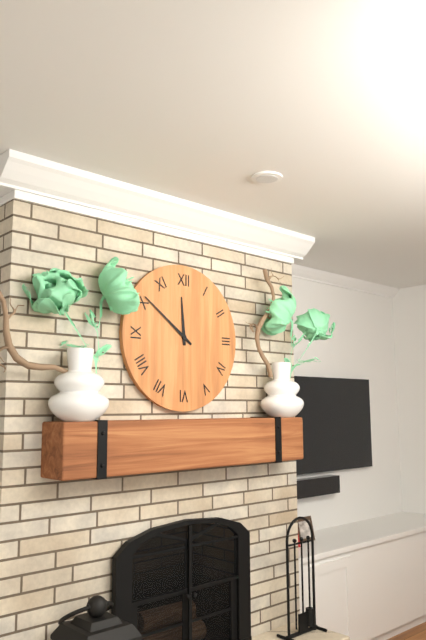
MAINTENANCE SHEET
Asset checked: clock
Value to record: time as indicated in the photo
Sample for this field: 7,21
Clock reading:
11,51
